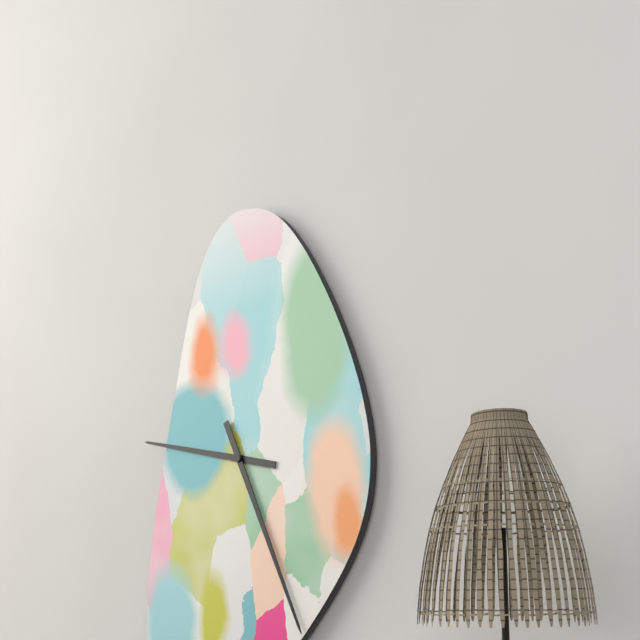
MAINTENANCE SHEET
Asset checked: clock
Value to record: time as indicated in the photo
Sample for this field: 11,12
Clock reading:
9,26
